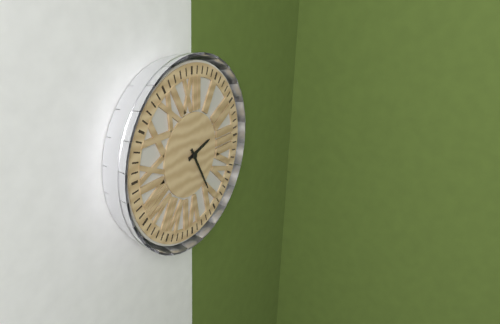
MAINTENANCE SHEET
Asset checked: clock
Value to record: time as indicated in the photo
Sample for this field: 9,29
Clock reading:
2,25
